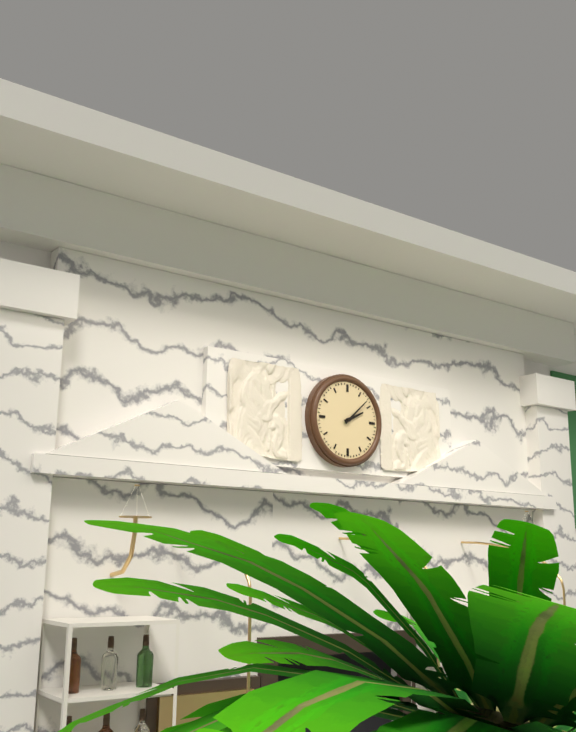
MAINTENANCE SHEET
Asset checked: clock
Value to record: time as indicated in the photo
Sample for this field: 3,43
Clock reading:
2,08
